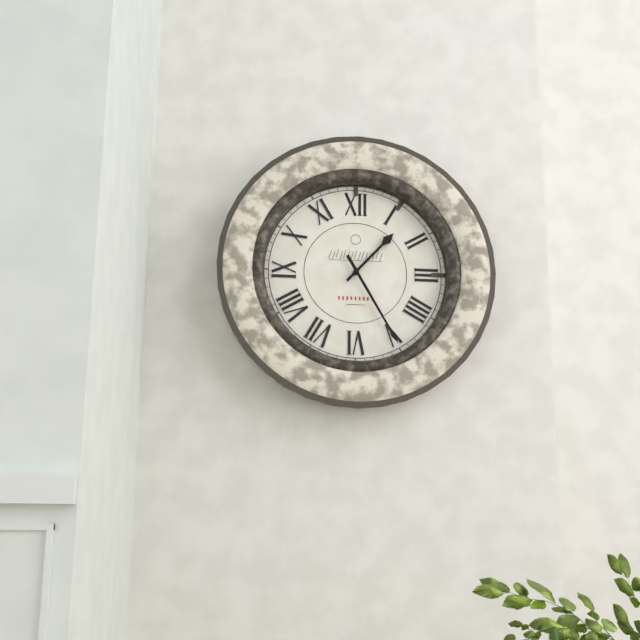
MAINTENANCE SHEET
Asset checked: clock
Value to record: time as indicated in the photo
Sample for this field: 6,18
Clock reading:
1,25
